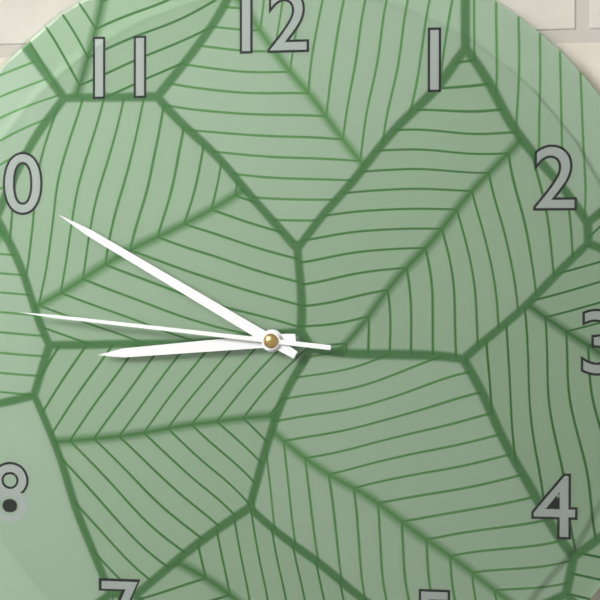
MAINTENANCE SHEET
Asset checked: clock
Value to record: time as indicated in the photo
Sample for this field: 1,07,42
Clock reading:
8,50,46
